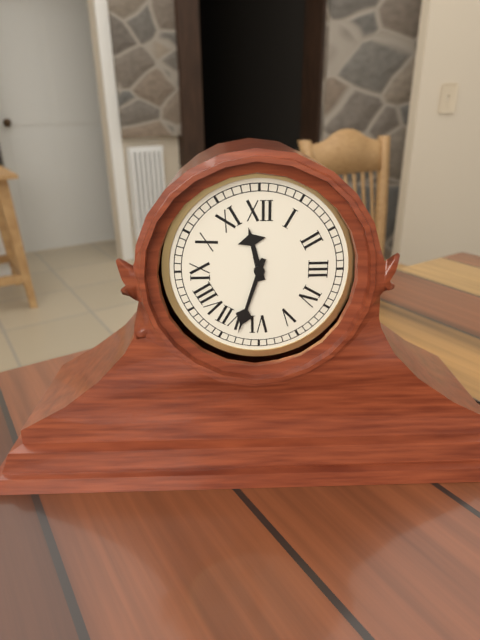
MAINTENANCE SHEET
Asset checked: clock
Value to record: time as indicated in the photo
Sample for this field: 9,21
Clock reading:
11,33
